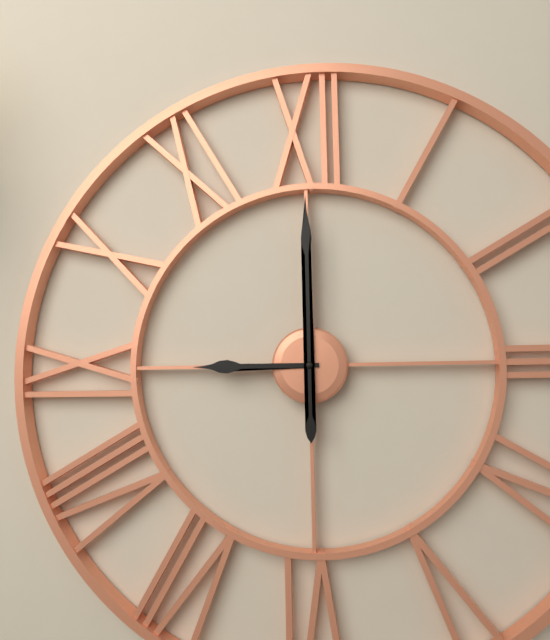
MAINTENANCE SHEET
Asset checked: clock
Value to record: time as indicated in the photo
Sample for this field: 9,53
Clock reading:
9,00
